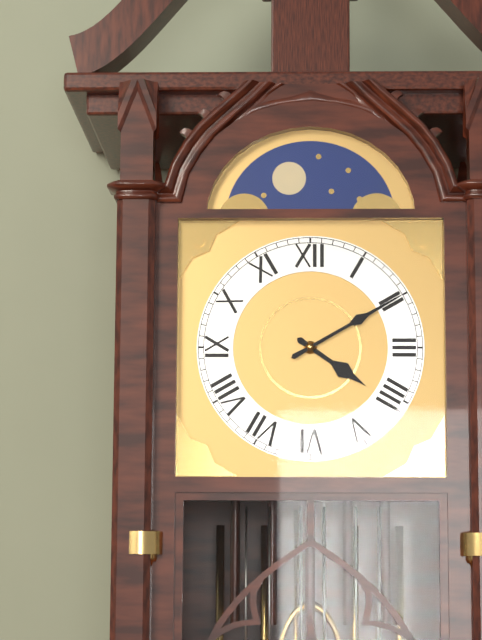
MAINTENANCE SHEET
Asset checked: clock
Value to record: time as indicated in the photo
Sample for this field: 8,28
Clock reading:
4,10
